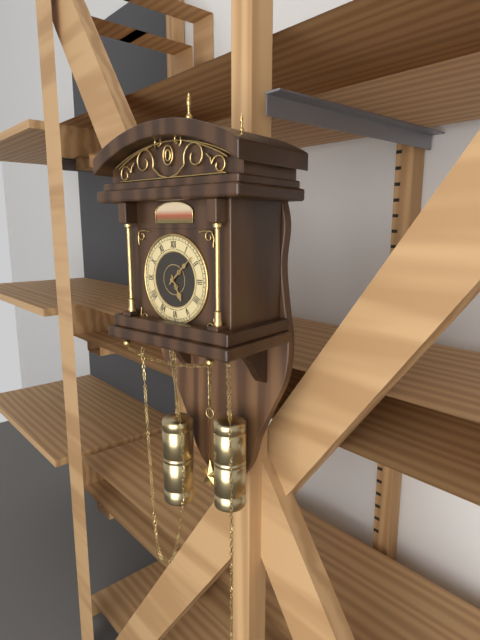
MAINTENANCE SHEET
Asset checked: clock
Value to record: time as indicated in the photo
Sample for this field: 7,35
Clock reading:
5,08
